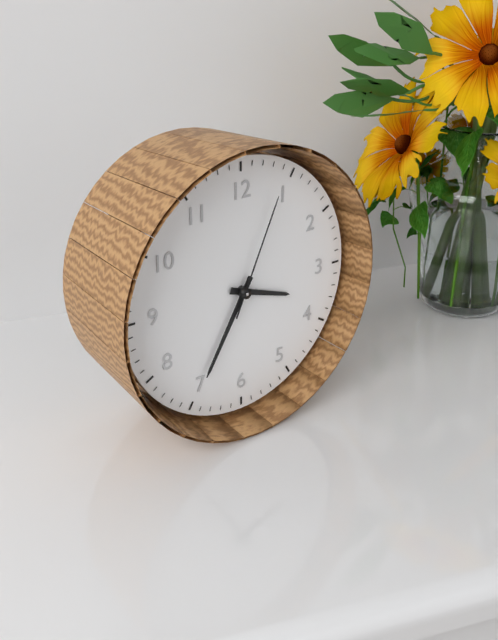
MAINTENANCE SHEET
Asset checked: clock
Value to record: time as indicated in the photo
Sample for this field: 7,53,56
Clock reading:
3,35,04
